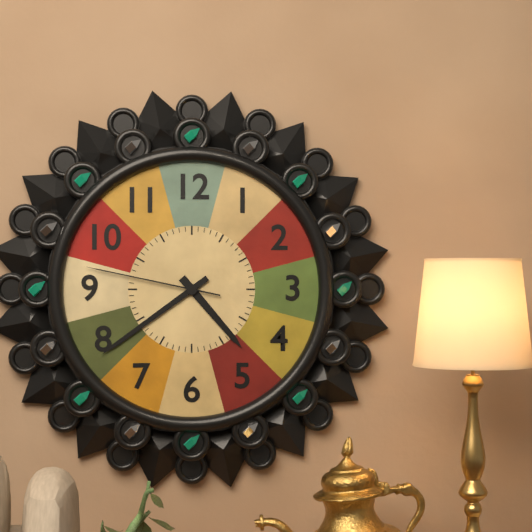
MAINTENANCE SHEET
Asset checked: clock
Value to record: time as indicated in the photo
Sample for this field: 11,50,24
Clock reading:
4,39,47
